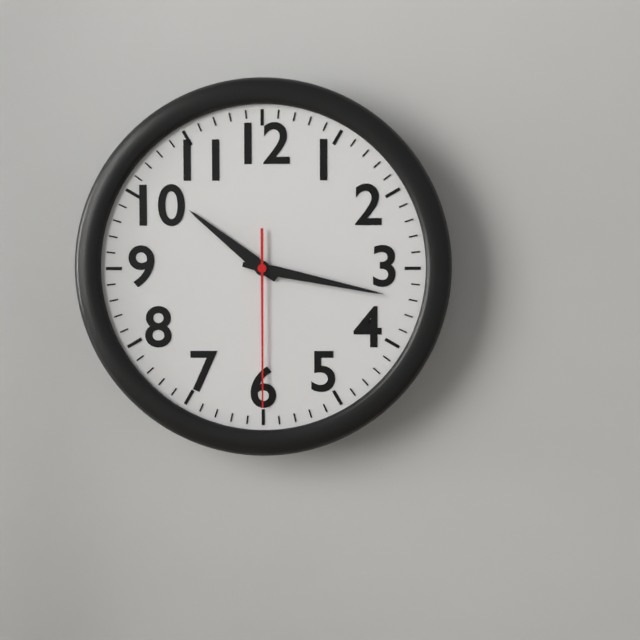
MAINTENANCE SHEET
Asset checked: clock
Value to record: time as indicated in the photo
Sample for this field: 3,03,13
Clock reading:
10,17,30
